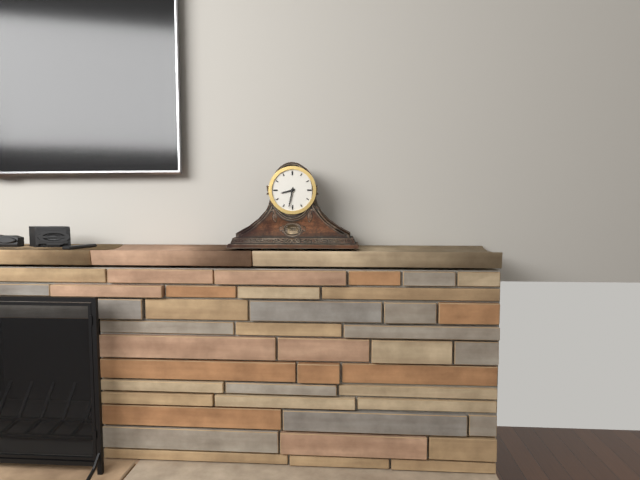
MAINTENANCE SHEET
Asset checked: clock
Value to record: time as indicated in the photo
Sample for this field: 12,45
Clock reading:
8,32
